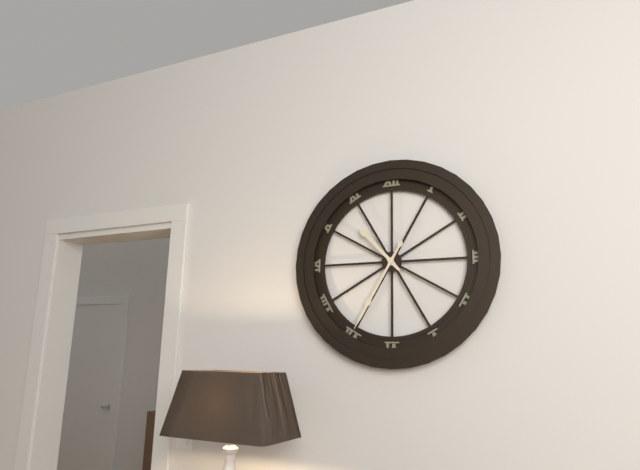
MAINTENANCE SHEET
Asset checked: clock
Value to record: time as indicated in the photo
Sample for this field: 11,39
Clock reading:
10,35
